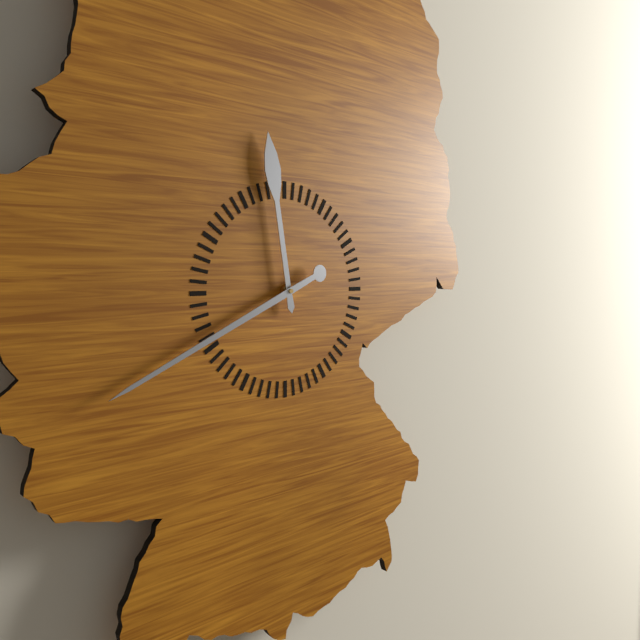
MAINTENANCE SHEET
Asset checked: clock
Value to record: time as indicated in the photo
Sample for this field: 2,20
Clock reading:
11,41
